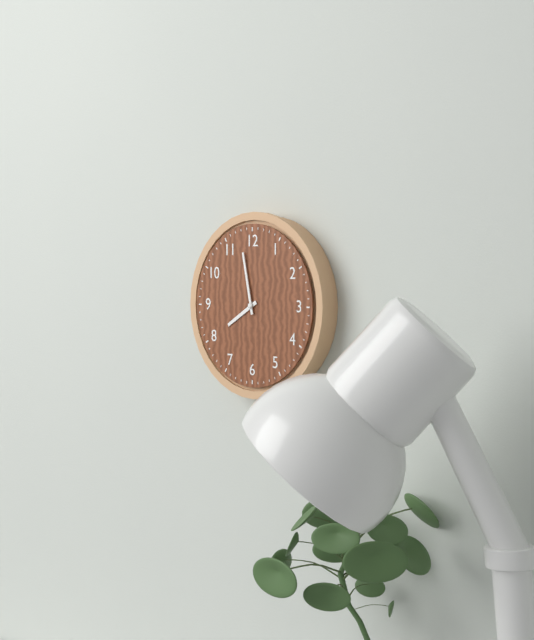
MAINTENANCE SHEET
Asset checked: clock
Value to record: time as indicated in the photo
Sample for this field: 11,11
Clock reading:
7,58
